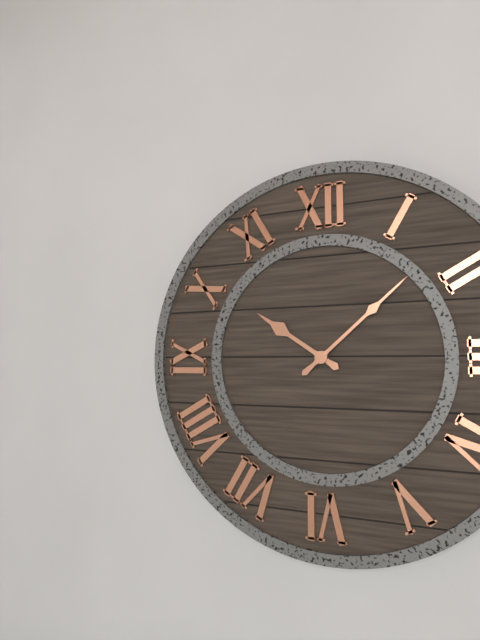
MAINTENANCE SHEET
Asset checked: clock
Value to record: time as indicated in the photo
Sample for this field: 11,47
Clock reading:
10,08
